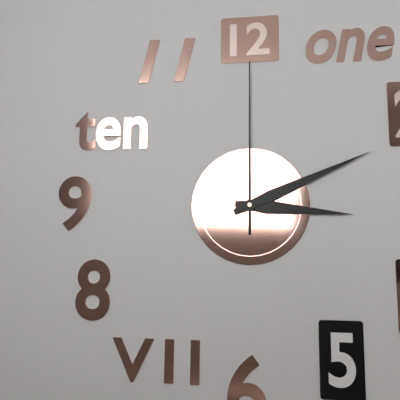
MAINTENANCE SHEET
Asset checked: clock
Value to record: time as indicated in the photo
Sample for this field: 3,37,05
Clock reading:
3,11,00
